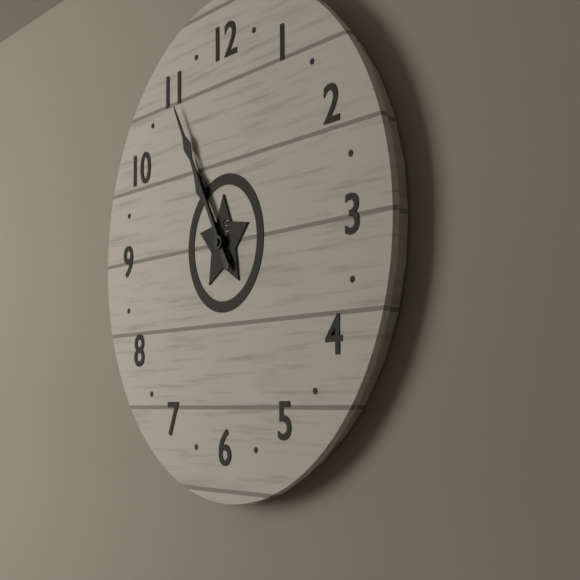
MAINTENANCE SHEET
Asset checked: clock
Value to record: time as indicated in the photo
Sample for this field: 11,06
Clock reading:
10,55
